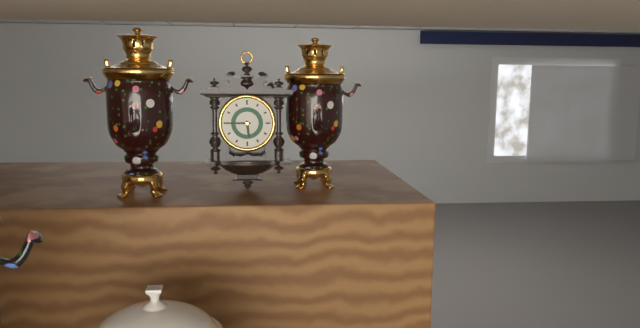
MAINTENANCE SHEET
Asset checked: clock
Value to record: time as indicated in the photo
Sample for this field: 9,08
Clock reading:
5,45
